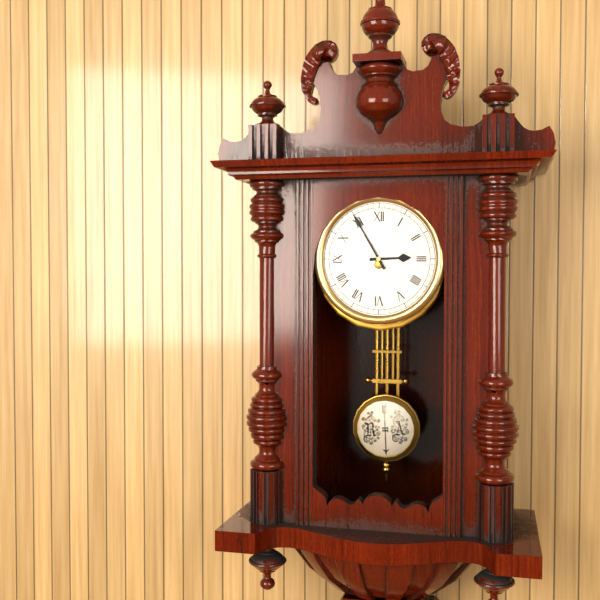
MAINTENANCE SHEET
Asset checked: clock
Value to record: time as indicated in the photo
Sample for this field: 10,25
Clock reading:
2,55
